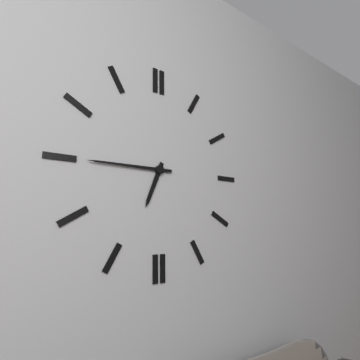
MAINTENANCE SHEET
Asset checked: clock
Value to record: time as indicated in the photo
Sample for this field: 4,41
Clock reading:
6,45
